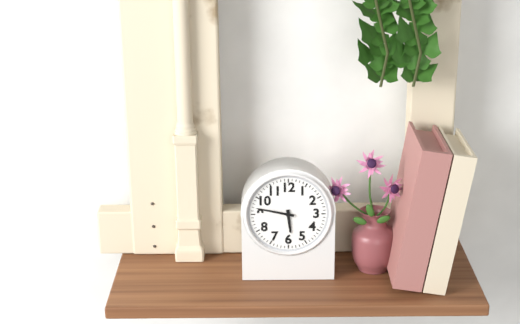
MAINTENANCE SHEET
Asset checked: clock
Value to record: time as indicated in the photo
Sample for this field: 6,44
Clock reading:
5,47
